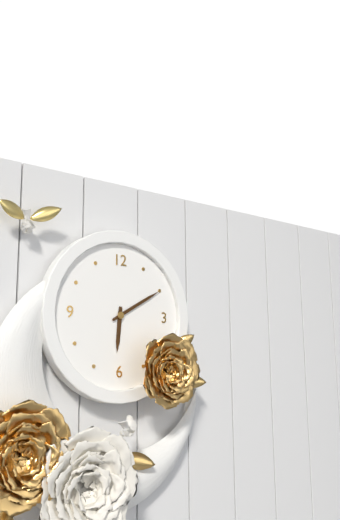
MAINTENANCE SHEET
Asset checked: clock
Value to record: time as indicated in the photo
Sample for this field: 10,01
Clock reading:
6,10
